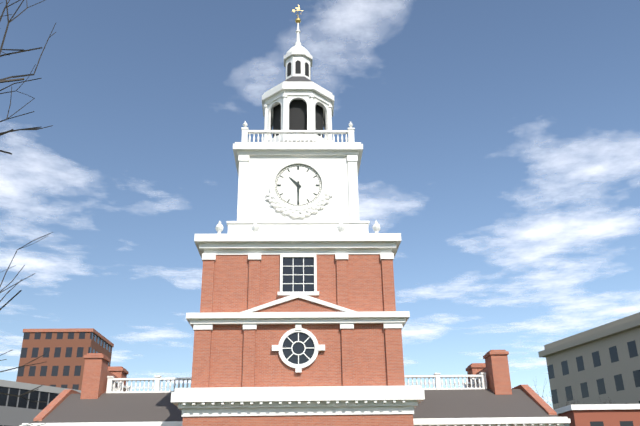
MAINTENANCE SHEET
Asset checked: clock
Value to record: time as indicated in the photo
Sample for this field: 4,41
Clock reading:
10,30
